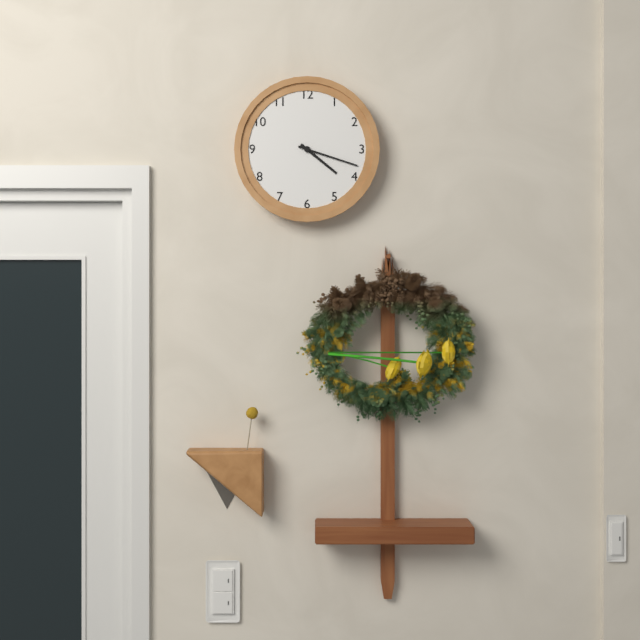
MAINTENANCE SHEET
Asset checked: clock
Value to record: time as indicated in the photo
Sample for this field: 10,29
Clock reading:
4,18
